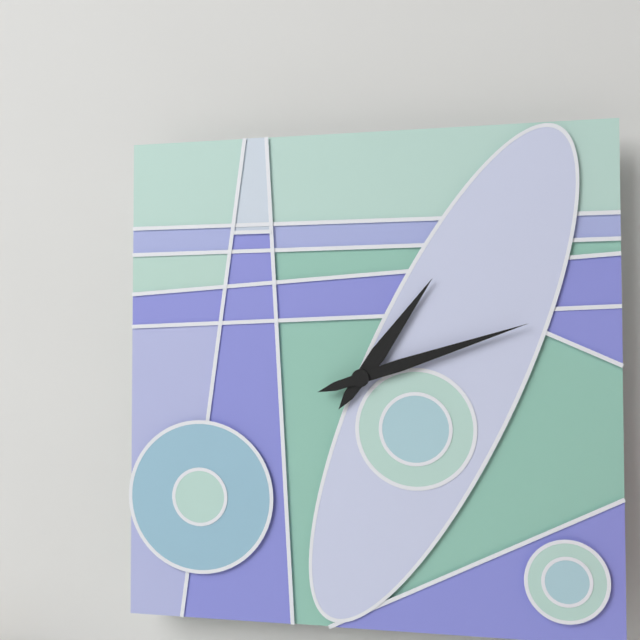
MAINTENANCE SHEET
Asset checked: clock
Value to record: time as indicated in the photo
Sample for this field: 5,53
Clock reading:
1,12
